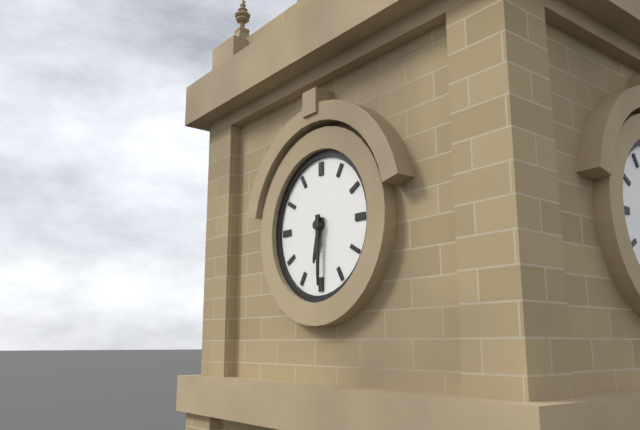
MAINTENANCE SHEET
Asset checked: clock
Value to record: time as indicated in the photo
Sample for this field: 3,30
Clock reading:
6,30
